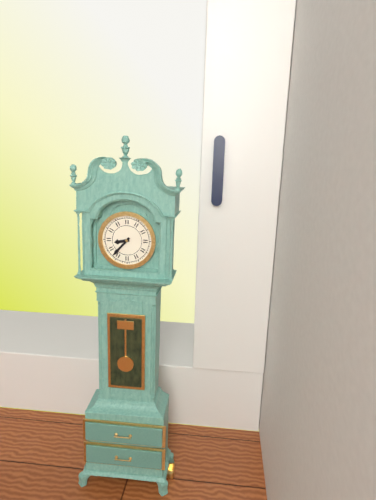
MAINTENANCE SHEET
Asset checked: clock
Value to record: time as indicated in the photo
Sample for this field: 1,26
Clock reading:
8,37
